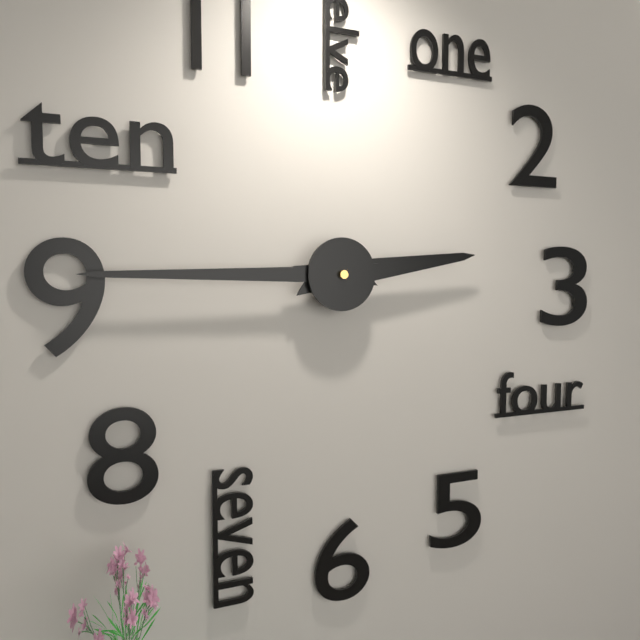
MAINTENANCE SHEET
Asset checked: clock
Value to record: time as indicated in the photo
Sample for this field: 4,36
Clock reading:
2,45
